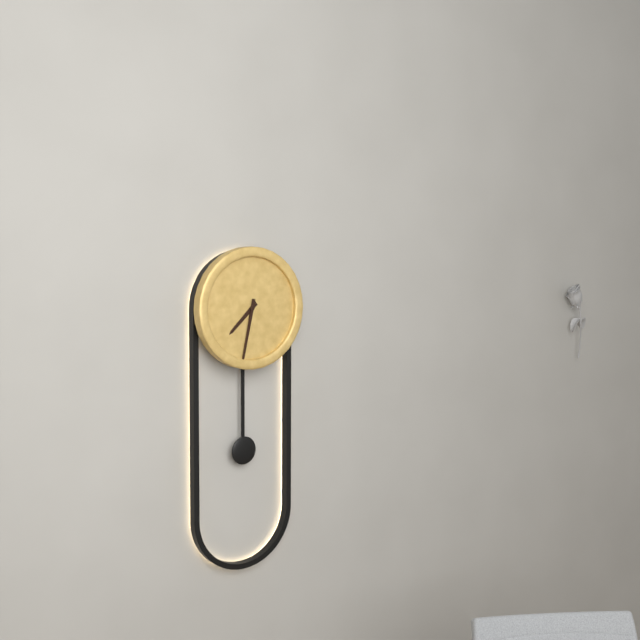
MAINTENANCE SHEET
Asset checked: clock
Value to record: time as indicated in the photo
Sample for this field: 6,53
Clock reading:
7,32
